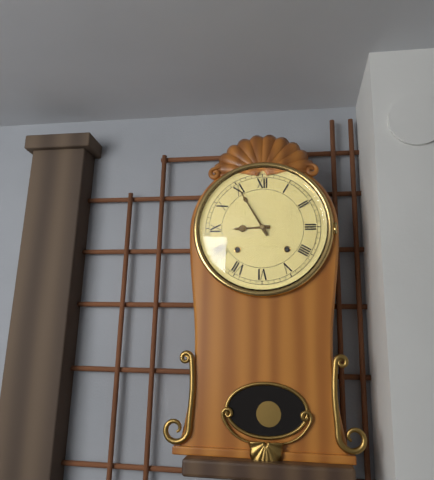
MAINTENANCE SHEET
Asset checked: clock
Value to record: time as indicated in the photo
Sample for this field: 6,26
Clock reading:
8,55
